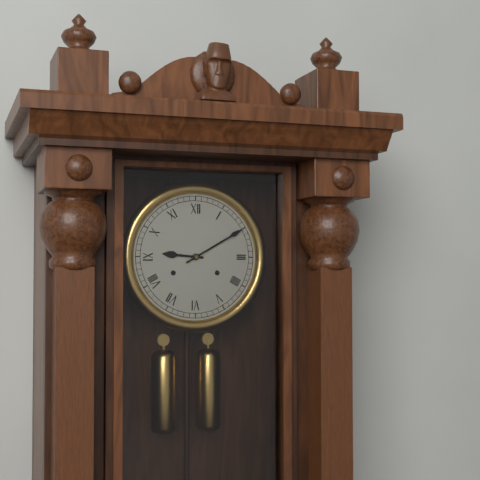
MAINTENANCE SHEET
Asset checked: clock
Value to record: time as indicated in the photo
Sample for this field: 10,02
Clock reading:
9,10
